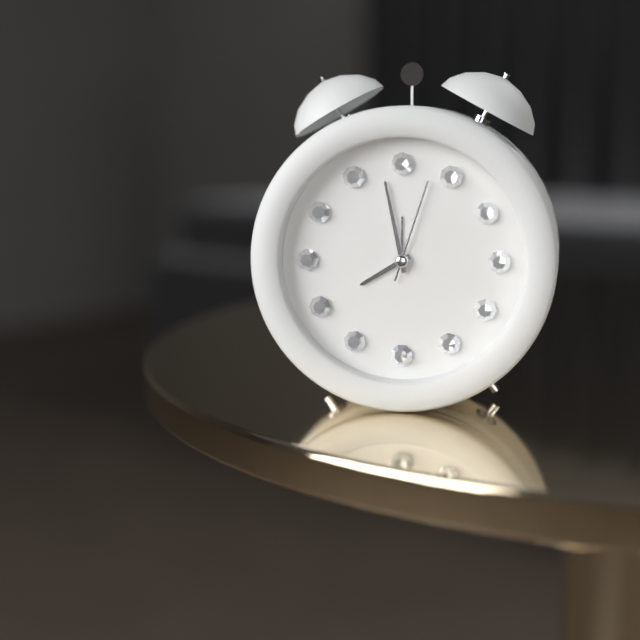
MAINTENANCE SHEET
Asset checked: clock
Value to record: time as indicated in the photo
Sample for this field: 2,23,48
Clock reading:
7,58,03
